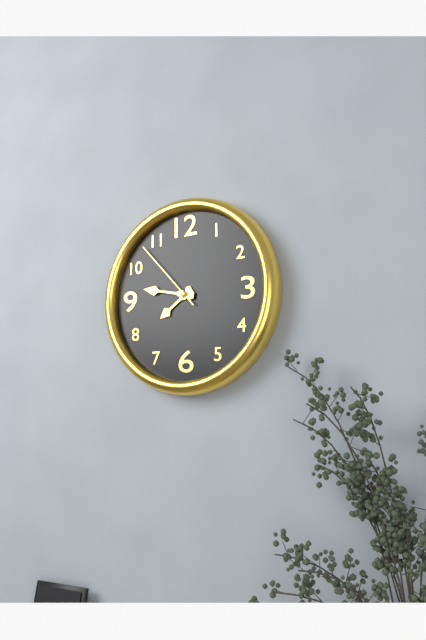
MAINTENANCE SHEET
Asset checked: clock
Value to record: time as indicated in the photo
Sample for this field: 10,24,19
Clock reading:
7,47,53
